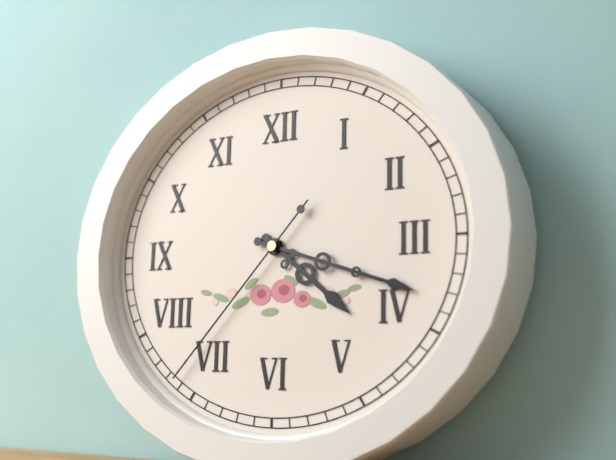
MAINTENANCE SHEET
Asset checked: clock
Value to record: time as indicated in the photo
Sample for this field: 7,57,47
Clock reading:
4,18,37
